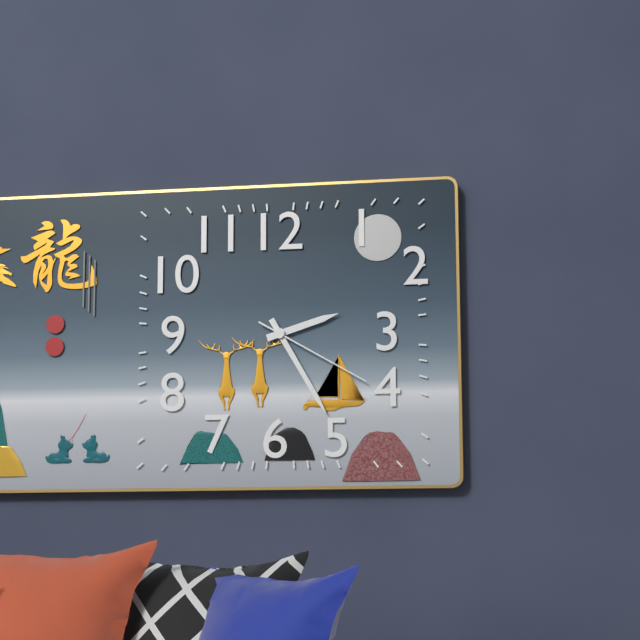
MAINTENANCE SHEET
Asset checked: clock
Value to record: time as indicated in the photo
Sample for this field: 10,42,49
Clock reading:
2,25,20
